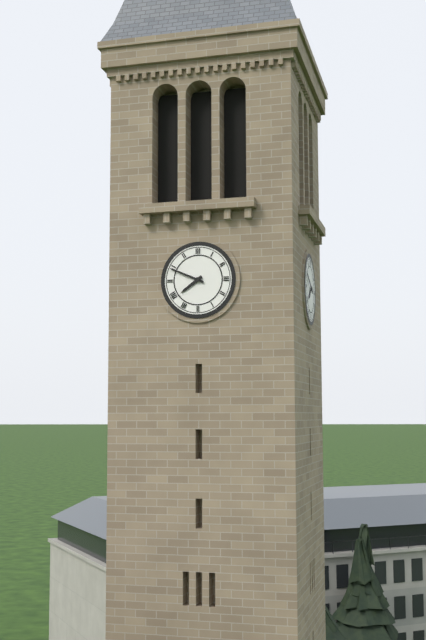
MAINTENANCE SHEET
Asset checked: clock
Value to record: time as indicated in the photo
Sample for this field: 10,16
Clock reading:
7,49
